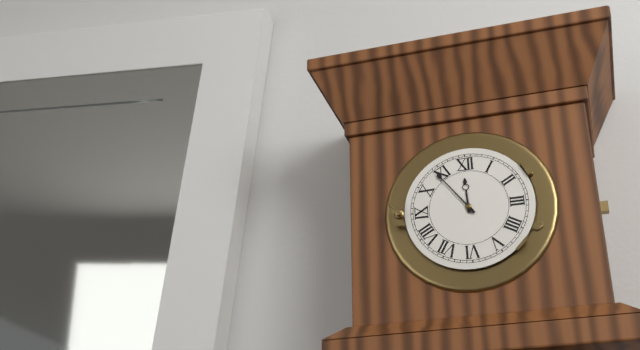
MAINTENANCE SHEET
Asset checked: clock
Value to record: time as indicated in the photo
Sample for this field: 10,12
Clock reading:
11,54
